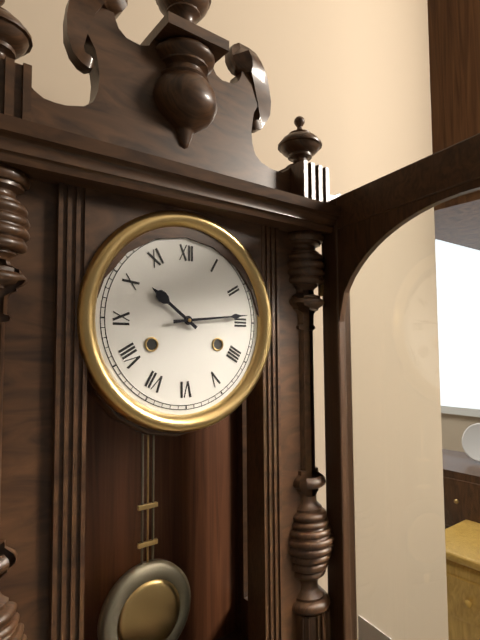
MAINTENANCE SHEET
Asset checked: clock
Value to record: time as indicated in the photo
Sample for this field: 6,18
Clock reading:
10,14
